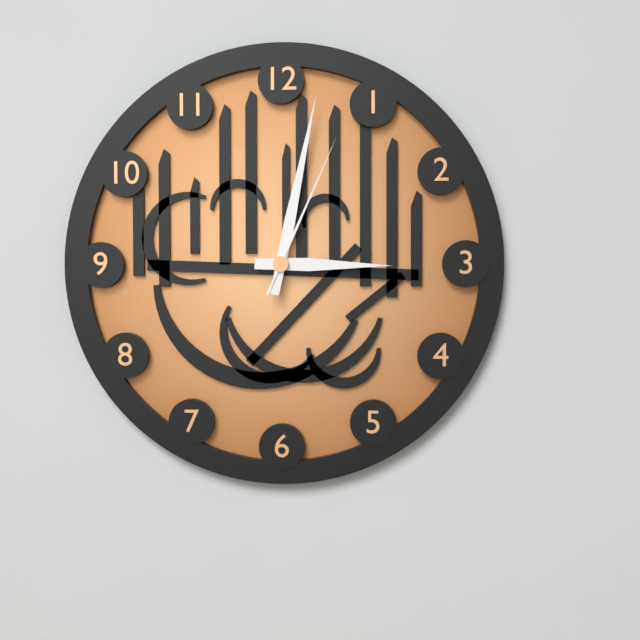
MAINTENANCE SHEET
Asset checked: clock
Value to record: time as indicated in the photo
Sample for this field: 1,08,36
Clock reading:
3,02,04
